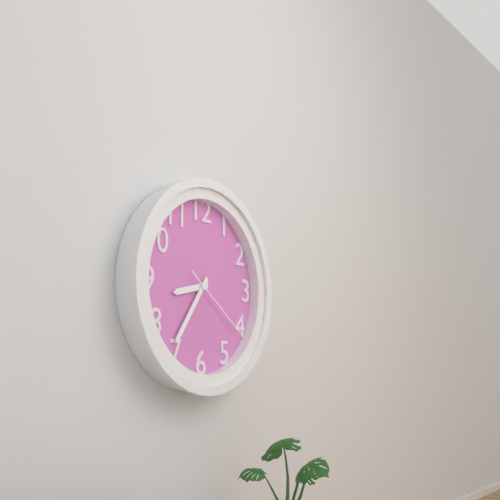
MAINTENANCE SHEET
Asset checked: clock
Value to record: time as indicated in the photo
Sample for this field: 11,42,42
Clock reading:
8,36,21
